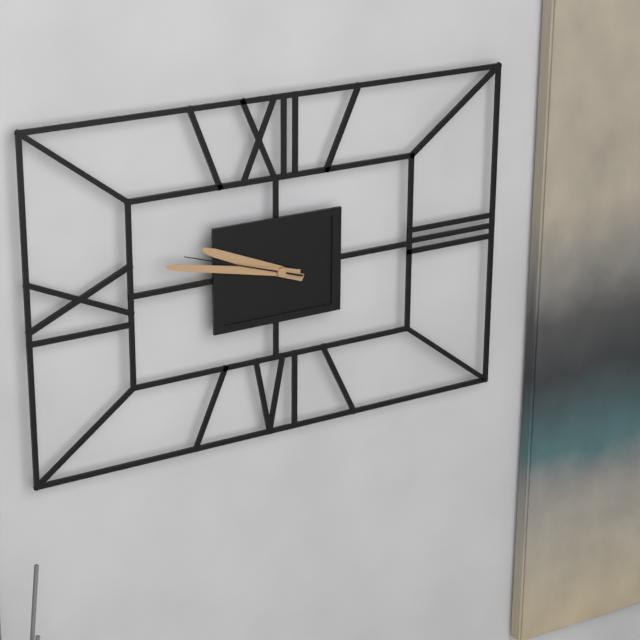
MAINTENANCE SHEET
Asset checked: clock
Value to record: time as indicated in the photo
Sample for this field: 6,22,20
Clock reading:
9,47,48
